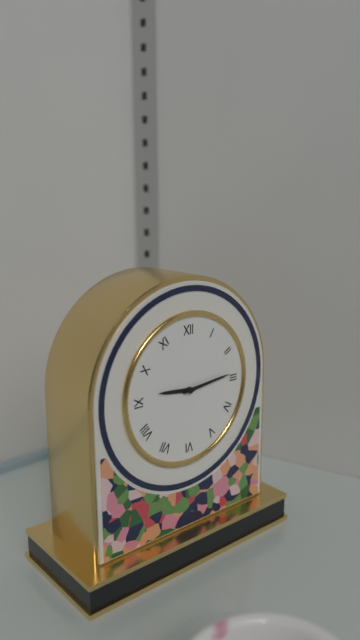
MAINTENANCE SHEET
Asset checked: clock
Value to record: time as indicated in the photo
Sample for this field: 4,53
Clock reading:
9,14
